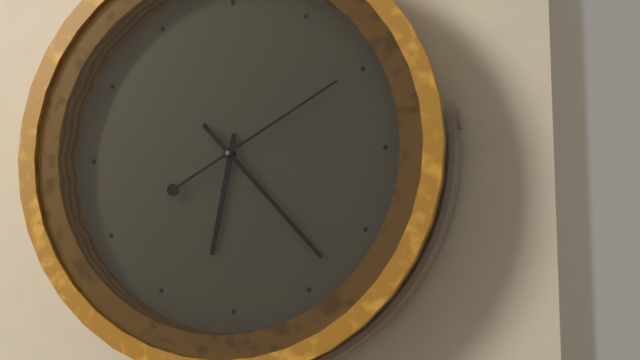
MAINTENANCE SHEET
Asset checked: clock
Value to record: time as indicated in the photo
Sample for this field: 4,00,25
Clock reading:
6,23,10
